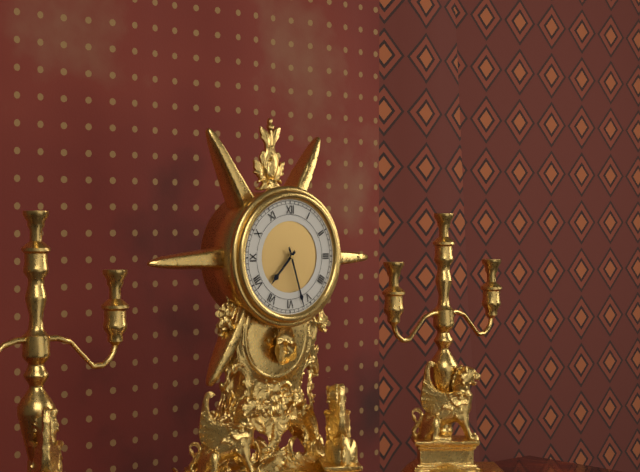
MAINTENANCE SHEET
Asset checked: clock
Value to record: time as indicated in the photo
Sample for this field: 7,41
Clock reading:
7,27
